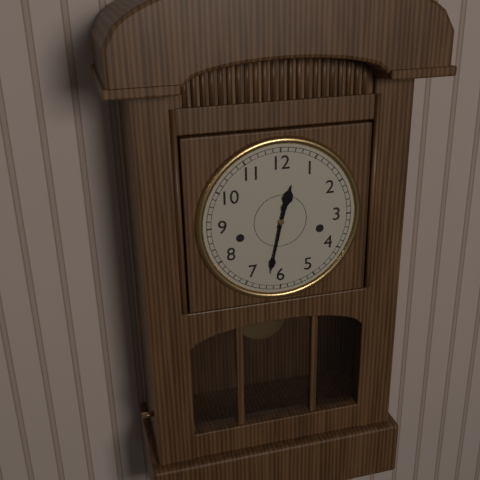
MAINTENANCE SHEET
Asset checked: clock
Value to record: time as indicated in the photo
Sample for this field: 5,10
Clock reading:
12,32
